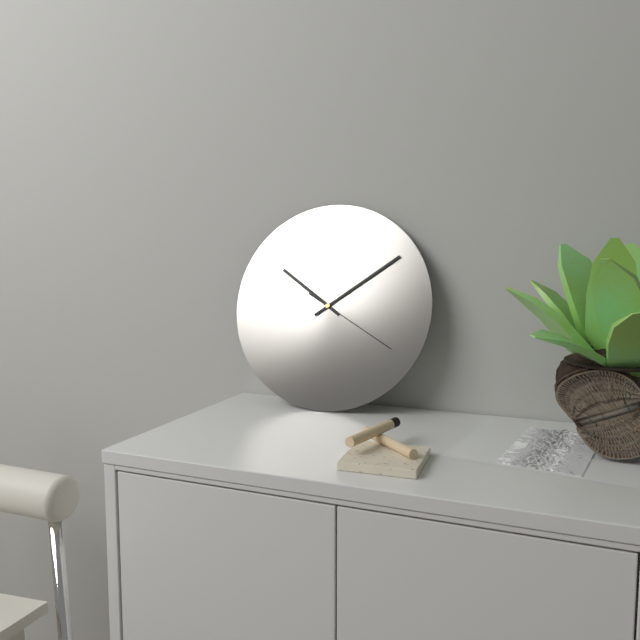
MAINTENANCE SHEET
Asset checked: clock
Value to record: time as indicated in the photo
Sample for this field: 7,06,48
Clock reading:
10,09,20
